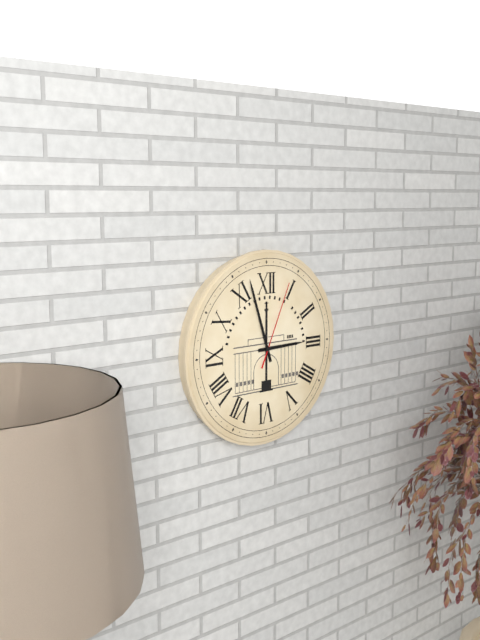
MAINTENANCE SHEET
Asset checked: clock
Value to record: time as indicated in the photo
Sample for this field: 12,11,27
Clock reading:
2,57,04
